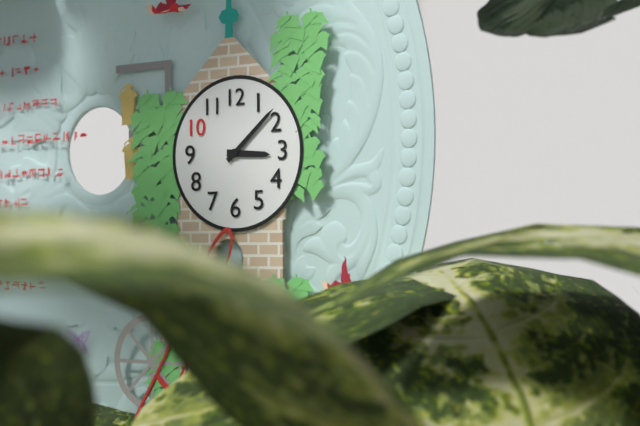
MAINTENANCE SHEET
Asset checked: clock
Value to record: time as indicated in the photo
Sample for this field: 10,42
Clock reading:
3,08
